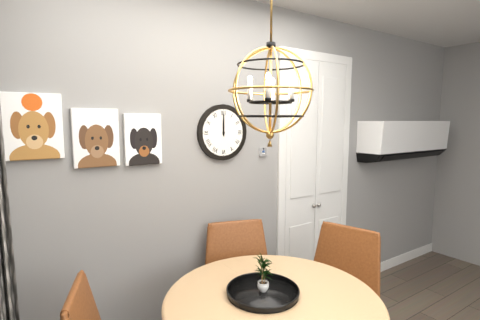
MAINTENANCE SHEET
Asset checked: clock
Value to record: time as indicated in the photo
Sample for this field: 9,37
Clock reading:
12,00
